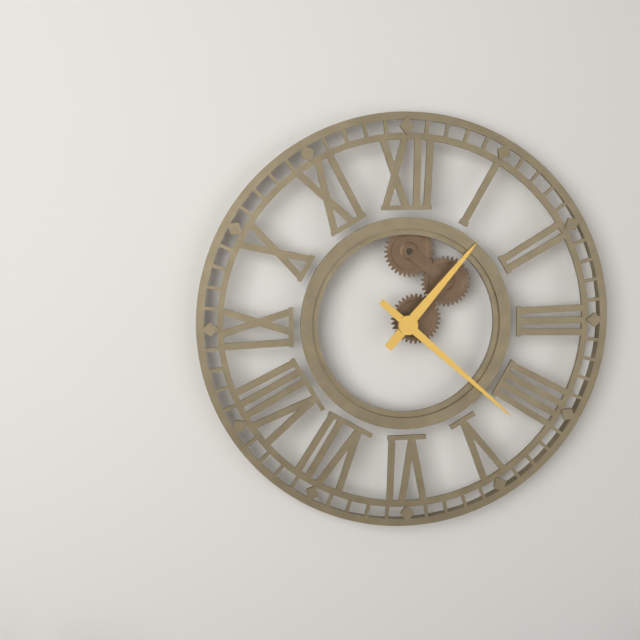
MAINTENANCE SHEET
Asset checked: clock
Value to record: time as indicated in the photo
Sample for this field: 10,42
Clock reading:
1,22
